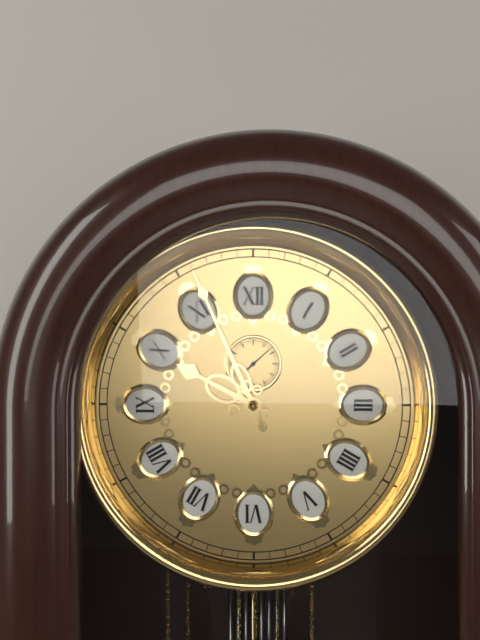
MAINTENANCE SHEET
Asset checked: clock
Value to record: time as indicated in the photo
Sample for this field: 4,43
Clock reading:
9,56
